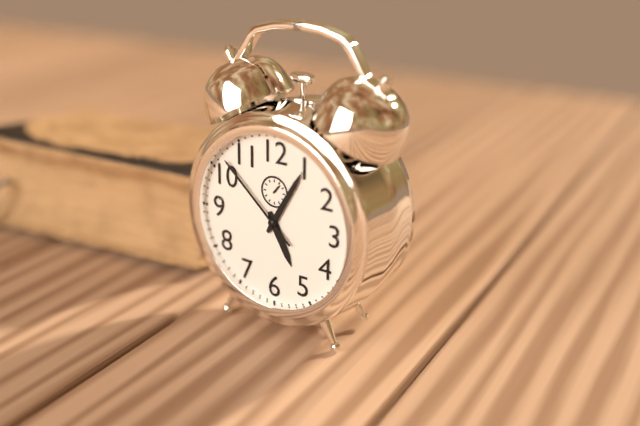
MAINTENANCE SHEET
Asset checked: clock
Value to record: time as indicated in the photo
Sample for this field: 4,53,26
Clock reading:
5,05,52
